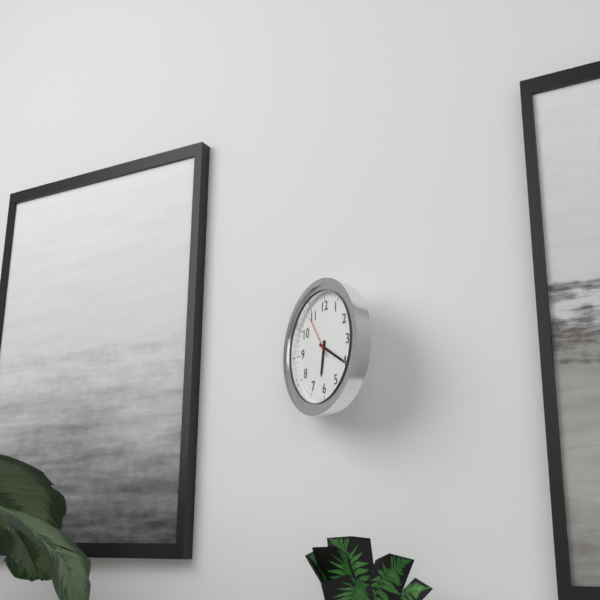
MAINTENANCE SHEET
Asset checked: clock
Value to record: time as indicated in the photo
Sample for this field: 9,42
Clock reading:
6,20
